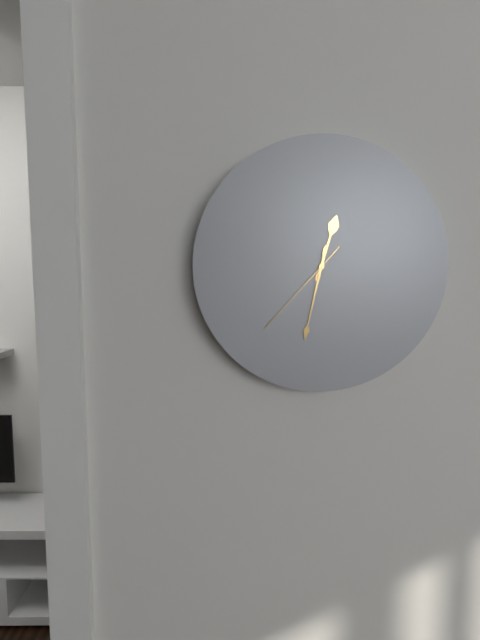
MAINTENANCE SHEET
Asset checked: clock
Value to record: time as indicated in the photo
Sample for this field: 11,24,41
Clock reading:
12,32,37
